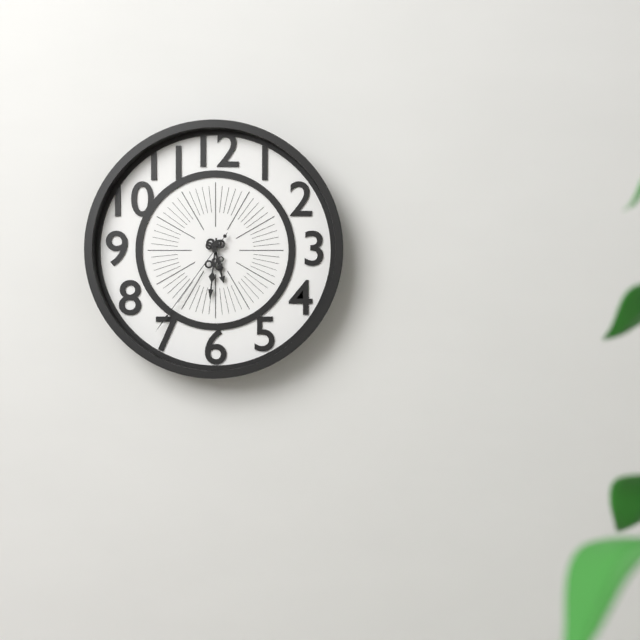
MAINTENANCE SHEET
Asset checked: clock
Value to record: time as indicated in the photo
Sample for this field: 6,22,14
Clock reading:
5,31,36
